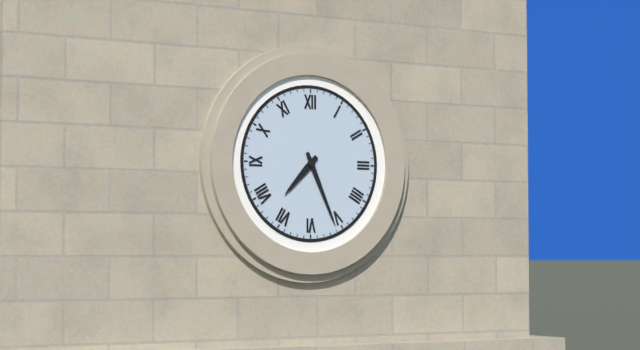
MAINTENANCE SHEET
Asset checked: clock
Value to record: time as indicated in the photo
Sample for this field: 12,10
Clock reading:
7,26
